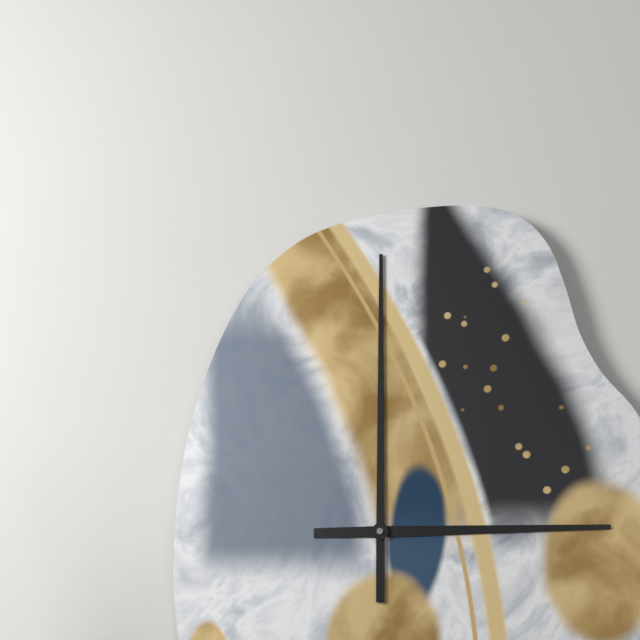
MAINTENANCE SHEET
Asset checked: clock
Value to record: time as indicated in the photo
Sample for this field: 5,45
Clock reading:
3,00
